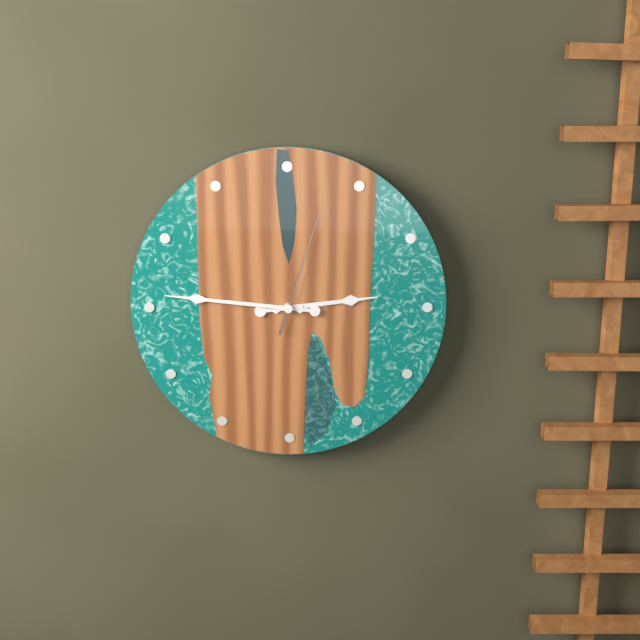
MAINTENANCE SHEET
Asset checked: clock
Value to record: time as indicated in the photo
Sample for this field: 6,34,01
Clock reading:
2,46,03
